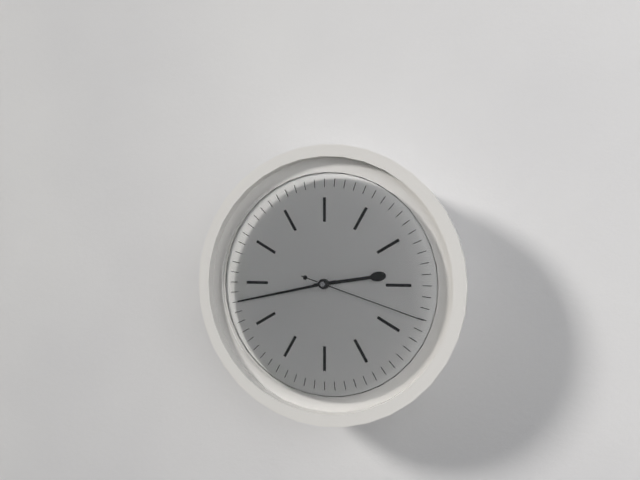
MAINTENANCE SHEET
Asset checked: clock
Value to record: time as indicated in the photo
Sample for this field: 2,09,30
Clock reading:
2,43,18
